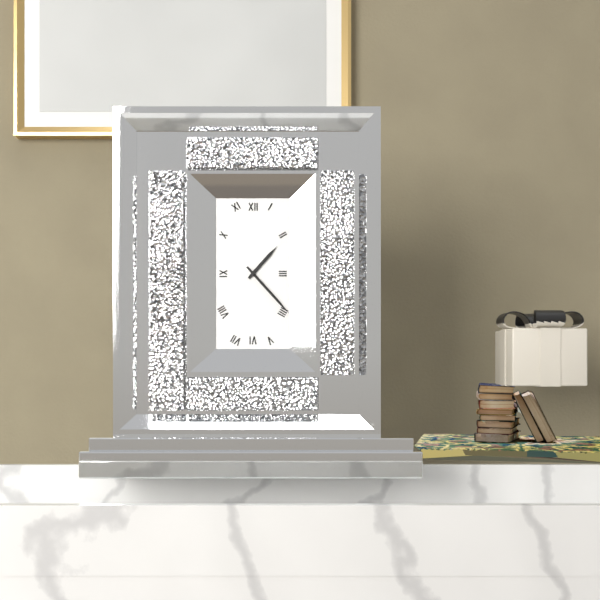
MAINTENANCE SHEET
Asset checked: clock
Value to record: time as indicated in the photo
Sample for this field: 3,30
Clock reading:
1,23
